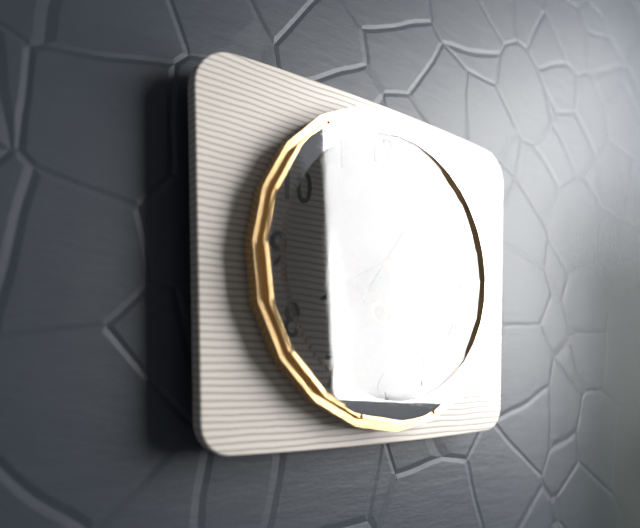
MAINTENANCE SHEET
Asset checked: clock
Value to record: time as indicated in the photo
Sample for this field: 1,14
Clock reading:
8,06
